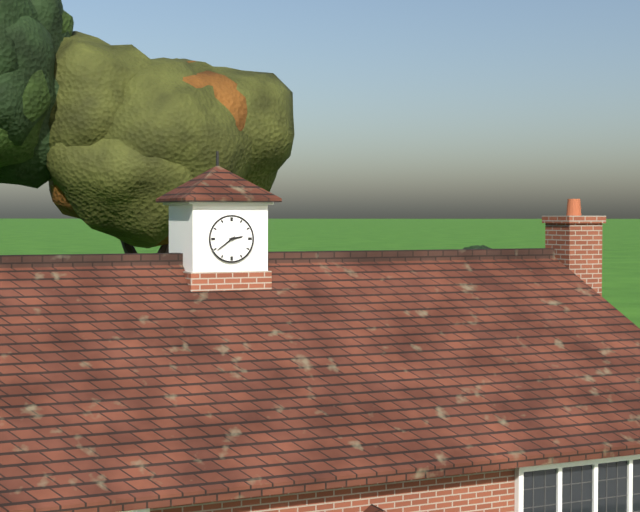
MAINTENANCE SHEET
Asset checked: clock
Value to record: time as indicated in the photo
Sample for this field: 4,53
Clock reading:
2,39
